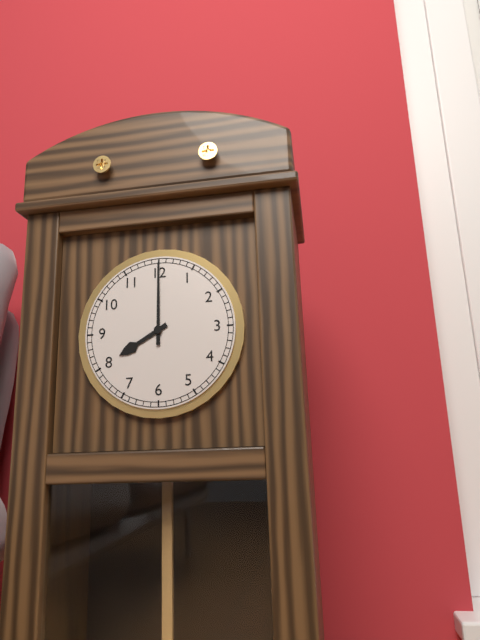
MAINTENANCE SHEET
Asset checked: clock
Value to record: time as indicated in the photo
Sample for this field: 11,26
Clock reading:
8,00
